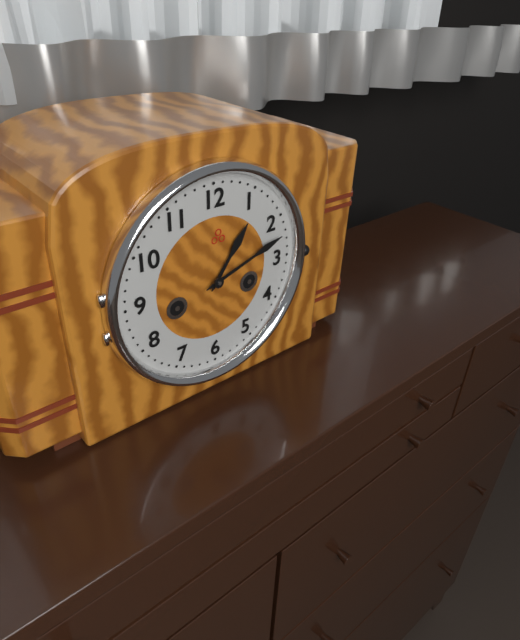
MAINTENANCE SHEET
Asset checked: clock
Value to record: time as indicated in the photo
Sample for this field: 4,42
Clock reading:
1,12
